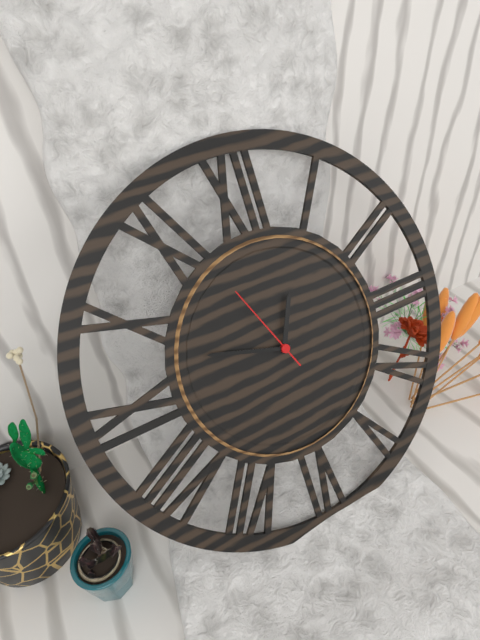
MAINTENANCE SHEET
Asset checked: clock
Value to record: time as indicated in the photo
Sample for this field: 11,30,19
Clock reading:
12,48,56
